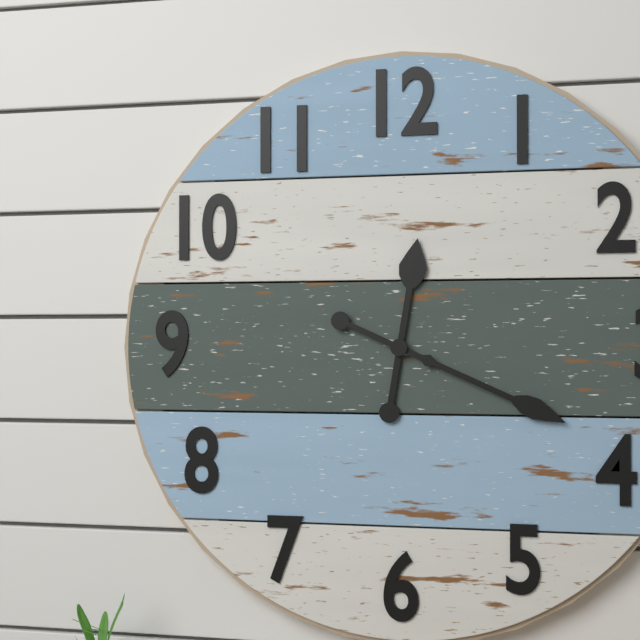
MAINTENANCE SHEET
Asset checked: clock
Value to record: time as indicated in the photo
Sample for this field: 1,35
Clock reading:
12,19
